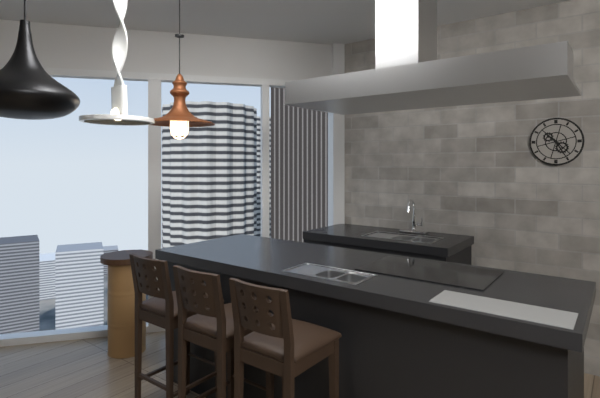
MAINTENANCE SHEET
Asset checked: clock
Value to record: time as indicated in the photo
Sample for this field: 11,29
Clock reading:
10,25
